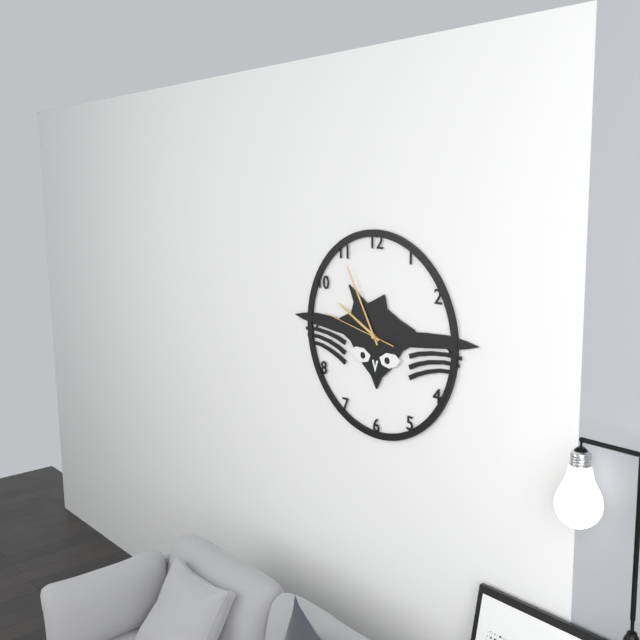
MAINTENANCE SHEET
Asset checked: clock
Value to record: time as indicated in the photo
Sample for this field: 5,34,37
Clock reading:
9,55,47
